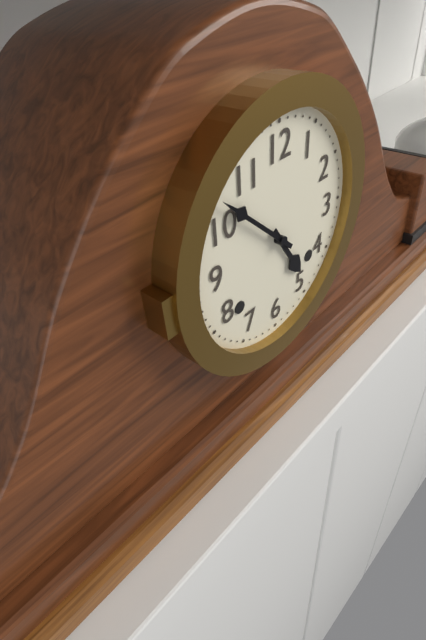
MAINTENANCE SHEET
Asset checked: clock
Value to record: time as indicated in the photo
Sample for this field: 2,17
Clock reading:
4,52
